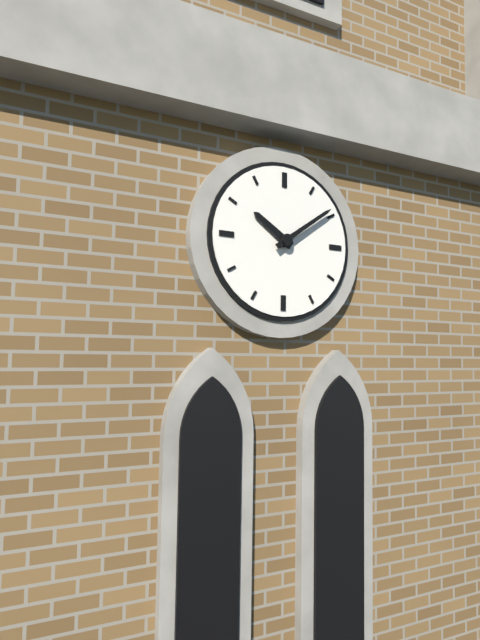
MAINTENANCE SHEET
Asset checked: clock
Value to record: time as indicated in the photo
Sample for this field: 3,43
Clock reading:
10,09
